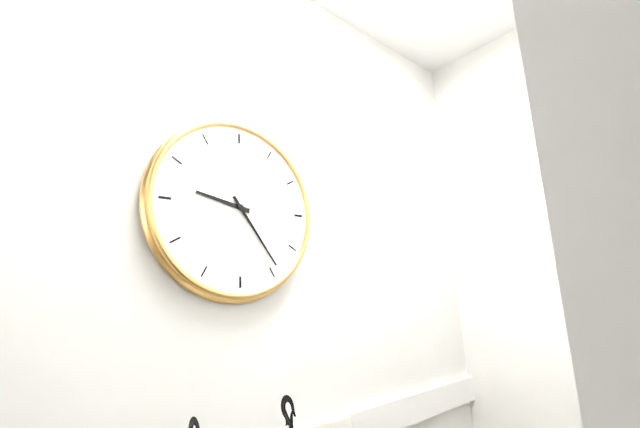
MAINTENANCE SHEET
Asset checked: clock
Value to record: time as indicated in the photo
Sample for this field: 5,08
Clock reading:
9,24
